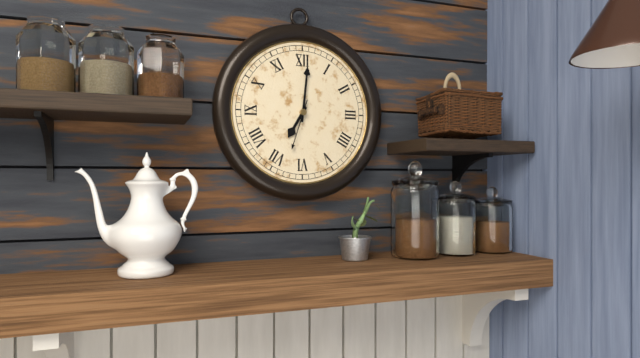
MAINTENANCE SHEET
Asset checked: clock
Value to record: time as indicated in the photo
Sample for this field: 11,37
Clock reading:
7,01
